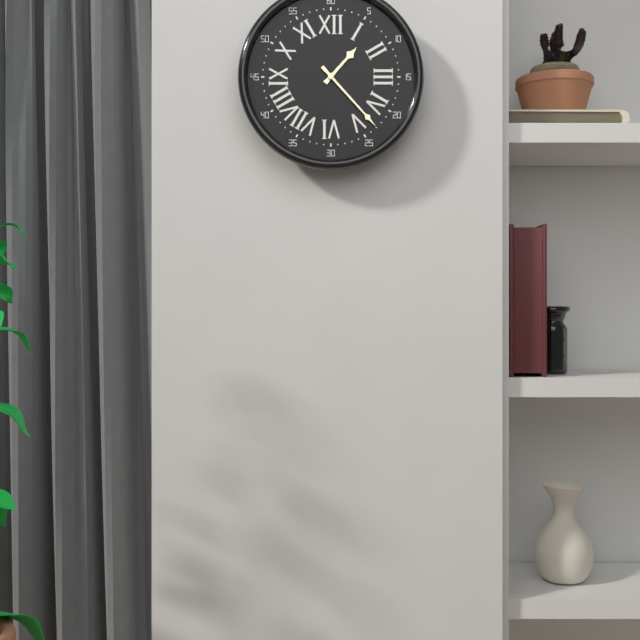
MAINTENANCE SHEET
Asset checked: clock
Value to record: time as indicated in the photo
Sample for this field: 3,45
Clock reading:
1,23
